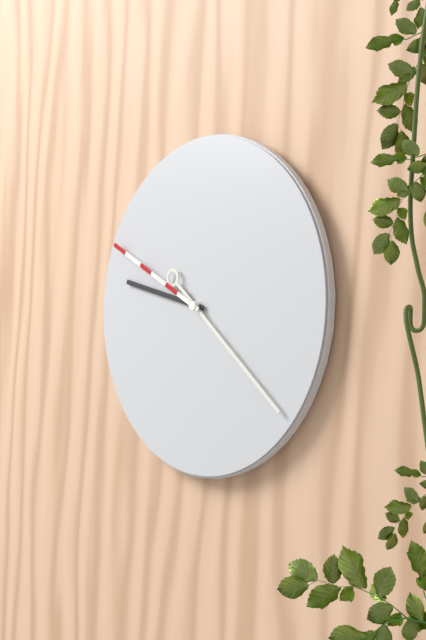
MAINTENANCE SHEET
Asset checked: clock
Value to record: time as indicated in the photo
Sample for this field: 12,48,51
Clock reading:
9,21,49
